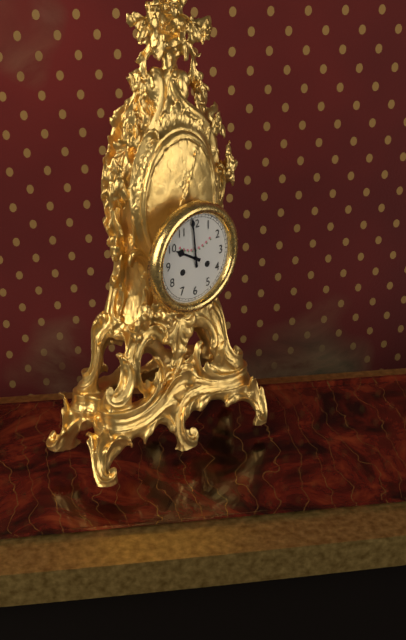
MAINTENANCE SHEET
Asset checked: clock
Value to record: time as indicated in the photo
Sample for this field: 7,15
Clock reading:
9,59
